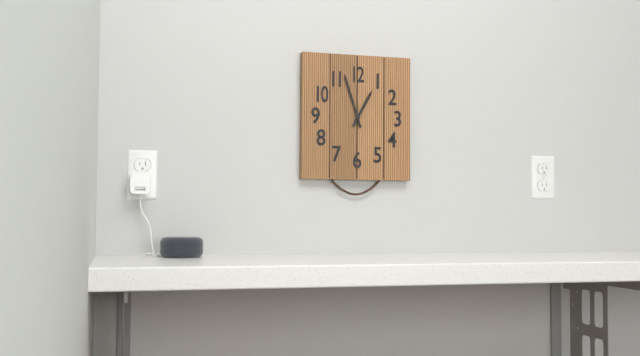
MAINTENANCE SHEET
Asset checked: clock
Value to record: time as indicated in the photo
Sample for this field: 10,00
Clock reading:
12,57
